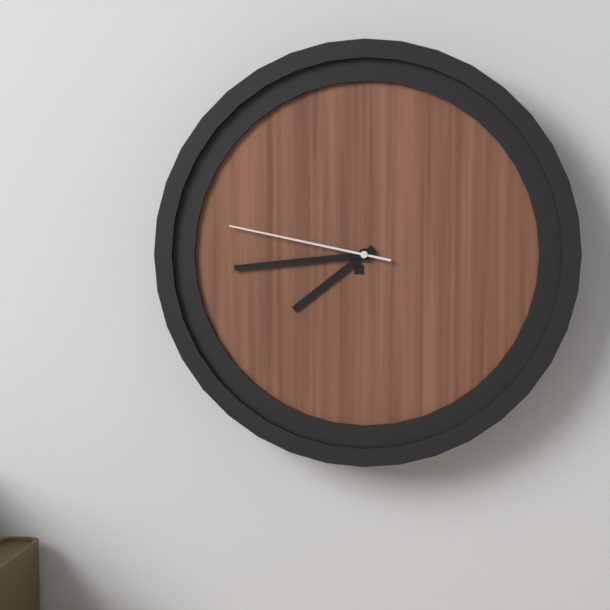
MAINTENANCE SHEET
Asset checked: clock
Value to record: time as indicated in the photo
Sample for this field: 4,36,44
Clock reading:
7,44,47
